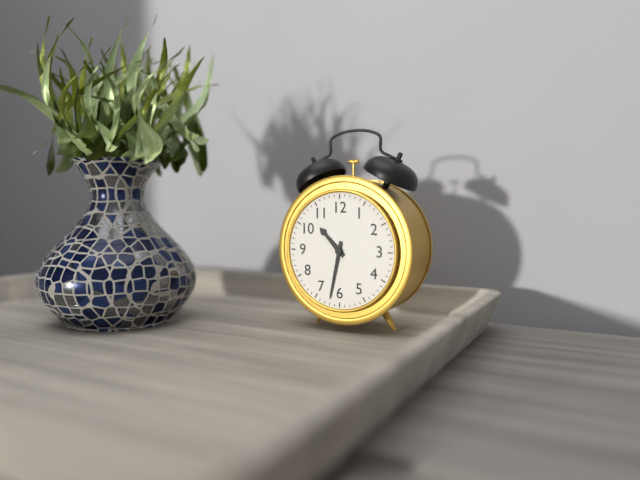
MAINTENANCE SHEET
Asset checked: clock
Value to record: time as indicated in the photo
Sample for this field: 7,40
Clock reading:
10,32
